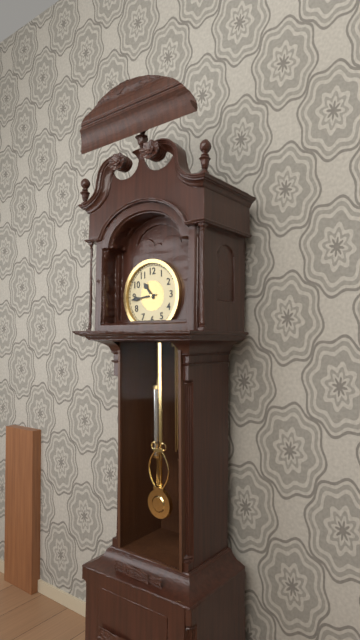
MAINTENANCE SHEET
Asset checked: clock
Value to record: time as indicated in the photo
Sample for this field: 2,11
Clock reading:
10,44
